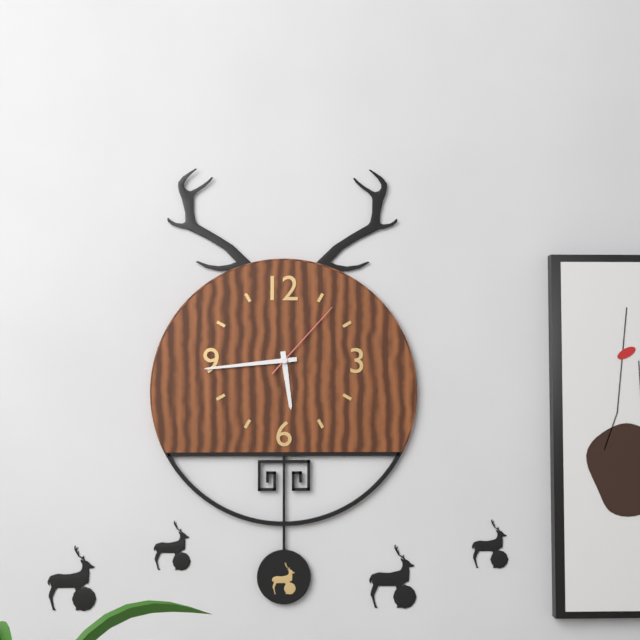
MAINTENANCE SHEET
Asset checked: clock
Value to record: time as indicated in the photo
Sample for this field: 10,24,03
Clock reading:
5,44,07
